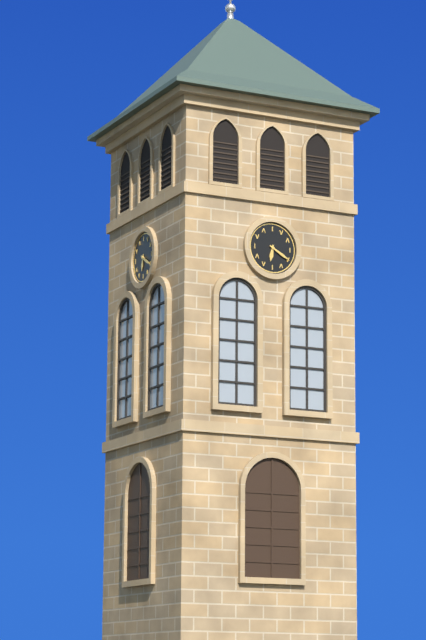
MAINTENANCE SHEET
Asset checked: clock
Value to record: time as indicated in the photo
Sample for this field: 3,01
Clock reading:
6,20
